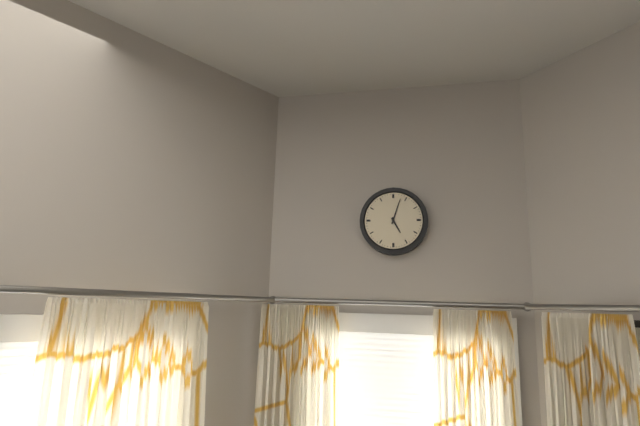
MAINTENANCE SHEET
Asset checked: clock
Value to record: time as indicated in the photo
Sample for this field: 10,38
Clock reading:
5,03
